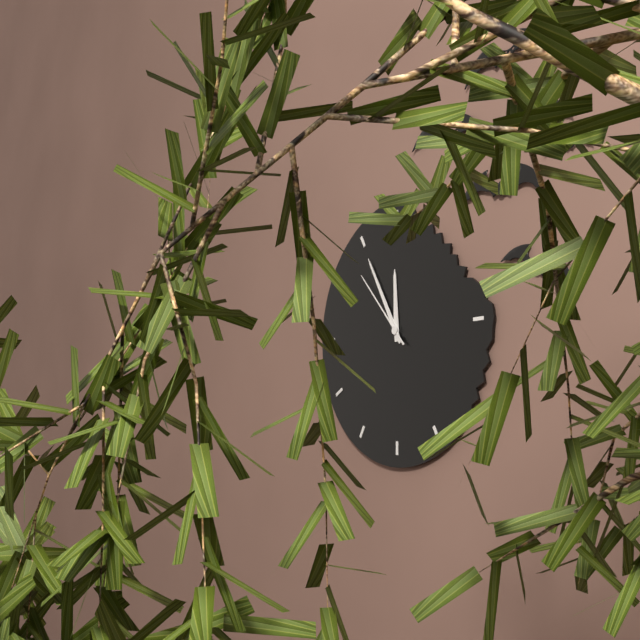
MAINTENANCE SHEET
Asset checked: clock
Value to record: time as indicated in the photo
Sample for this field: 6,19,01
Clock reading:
11,55,53
